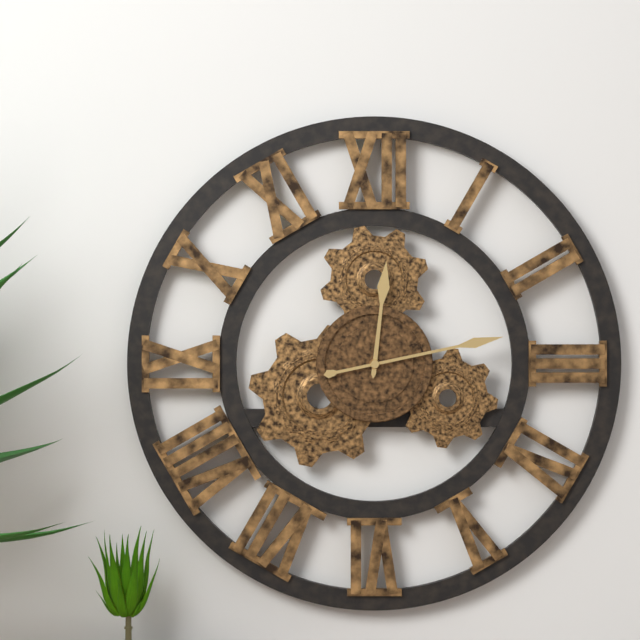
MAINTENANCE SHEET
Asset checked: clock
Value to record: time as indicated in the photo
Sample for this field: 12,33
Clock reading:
12,13
